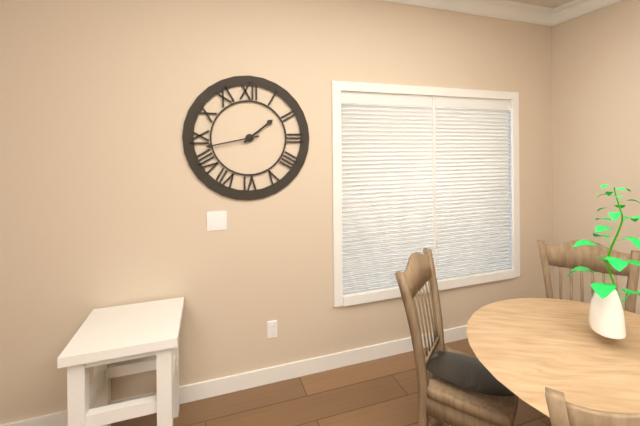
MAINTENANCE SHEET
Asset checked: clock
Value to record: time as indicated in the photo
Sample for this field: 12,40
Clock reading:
1,43
